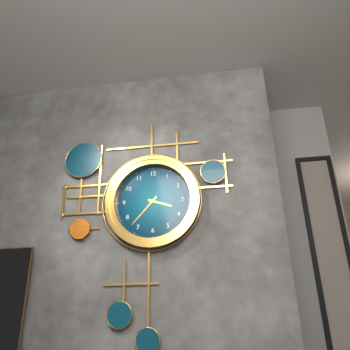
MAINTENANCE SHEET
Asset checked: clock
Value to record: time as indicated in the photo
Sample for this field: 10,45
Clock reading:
3,37
